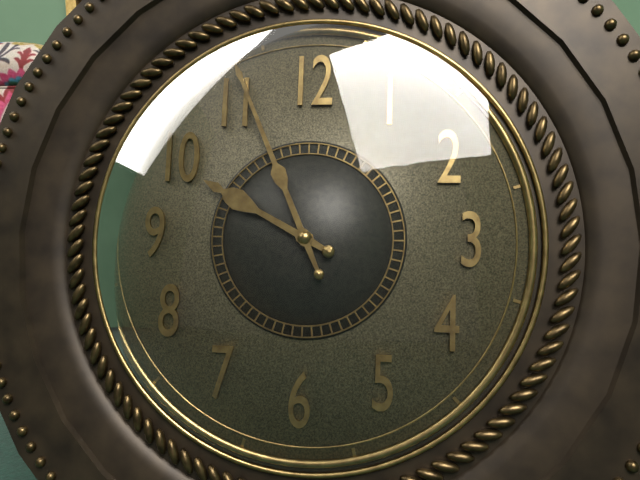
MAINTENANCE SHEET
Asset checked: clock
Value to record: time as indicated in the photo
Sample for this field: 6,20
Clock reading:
9,56
